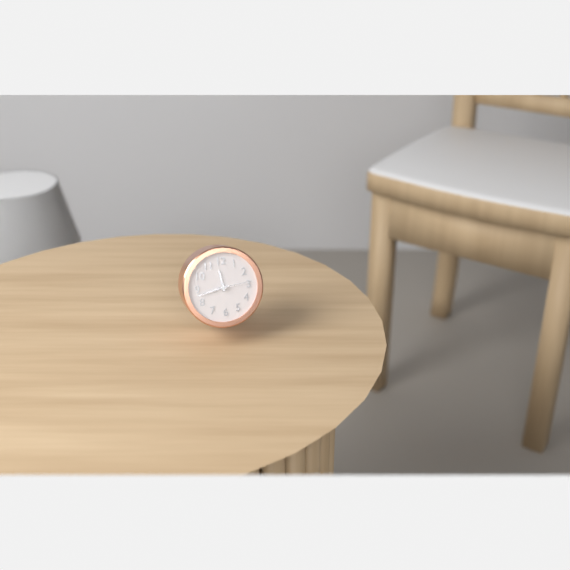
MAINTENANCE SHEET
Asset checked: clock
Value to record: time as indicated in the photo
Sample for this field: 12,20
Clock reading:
11,43
